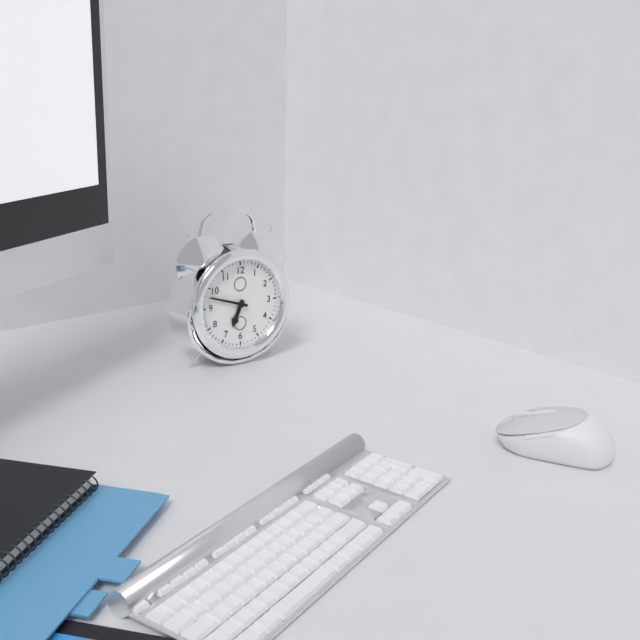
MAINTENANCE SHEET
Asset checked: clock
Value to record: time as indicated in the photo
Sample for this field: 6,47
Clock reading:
6,48
